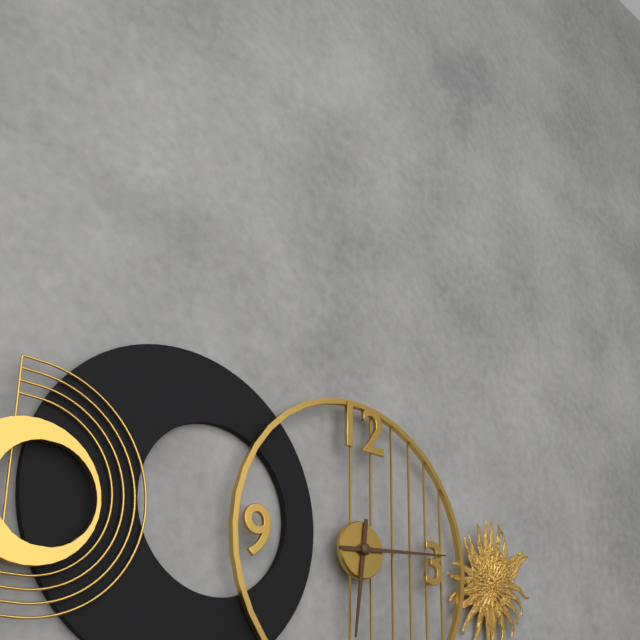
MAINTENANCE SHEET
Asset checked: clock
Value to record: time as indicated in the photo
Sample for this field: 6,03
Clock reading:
6,14
